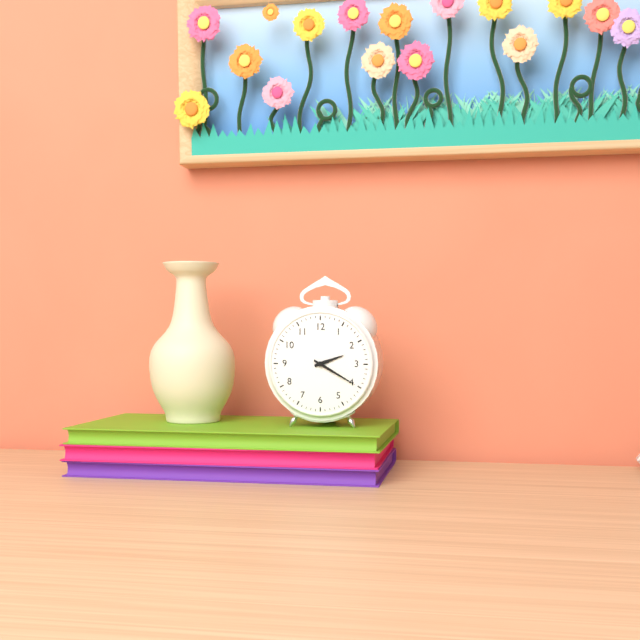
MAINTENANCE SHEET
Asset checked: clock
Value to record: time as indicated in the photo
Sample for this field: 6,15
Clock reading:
2,20
